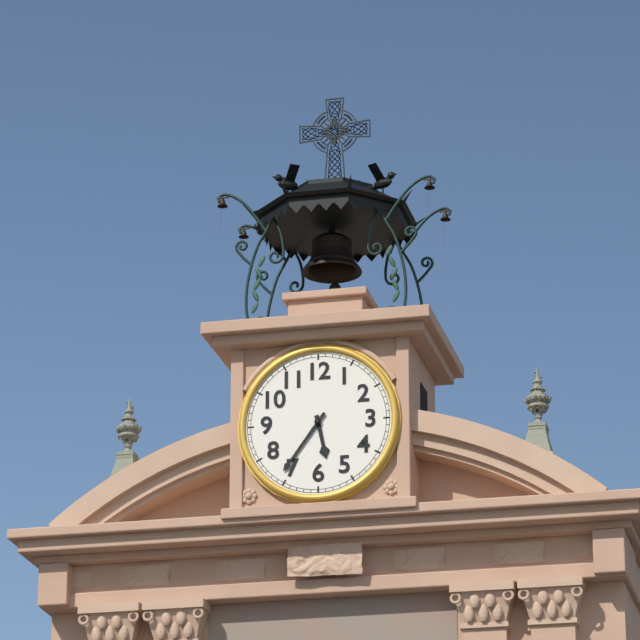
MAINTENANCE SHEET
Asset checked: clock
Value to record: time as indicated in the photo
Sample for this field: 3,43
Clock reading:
5,36
